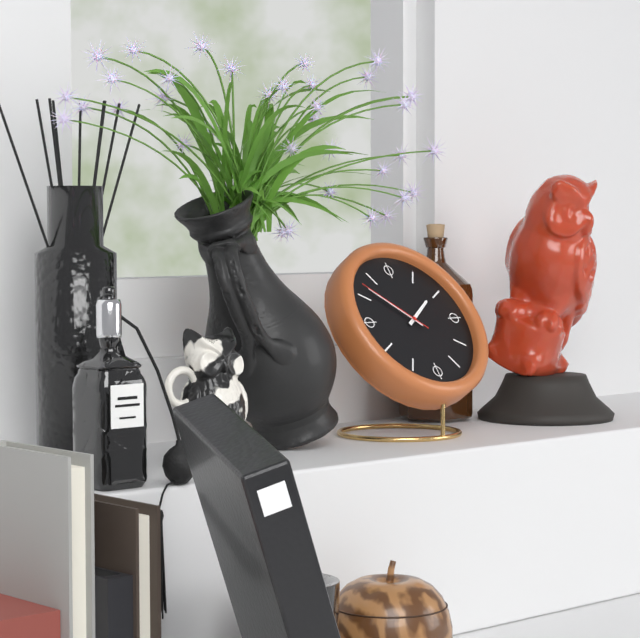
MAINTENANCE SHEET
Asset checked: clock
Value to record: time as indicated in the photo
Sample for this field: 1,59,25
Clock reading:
1,52,52
